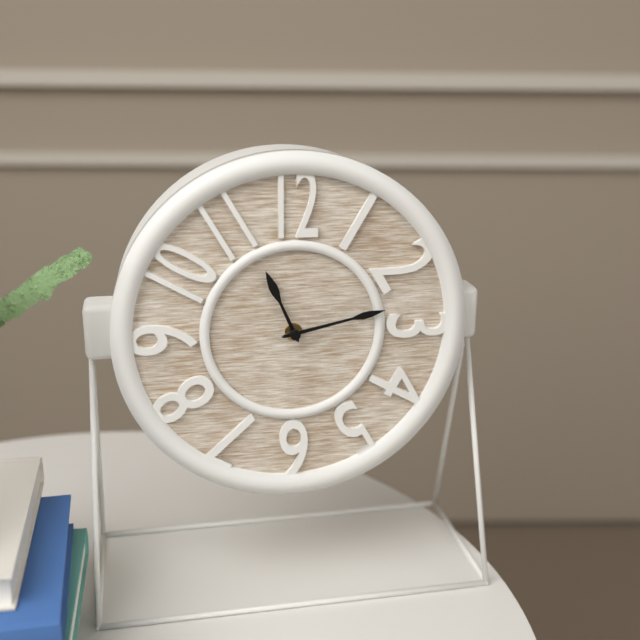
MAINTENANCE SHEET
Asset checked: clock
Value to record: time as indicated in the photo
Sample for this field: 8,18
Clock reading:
11,13
